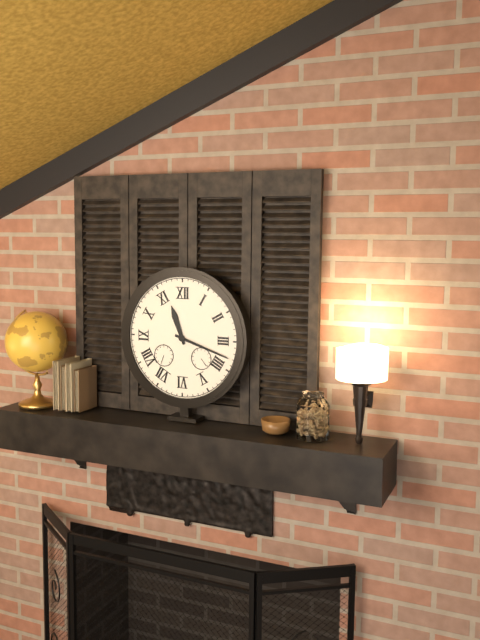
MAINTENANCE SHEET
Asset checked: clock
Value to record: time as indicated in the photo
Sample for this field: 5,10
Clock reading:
11,18
